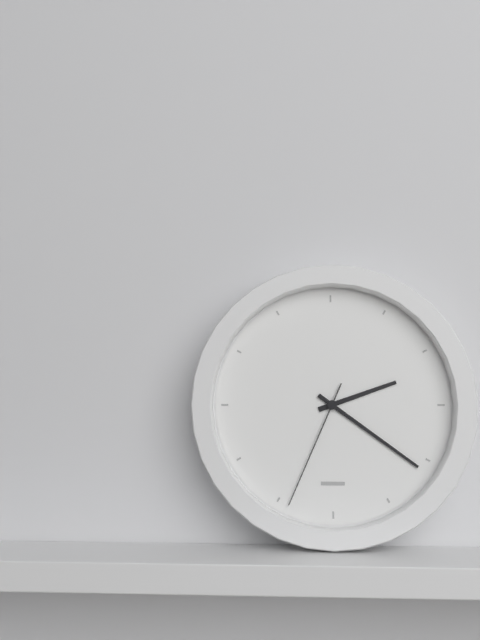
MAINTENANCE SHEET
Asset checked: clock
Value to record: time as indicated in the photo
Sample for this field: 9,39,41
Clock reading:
2,21,34
